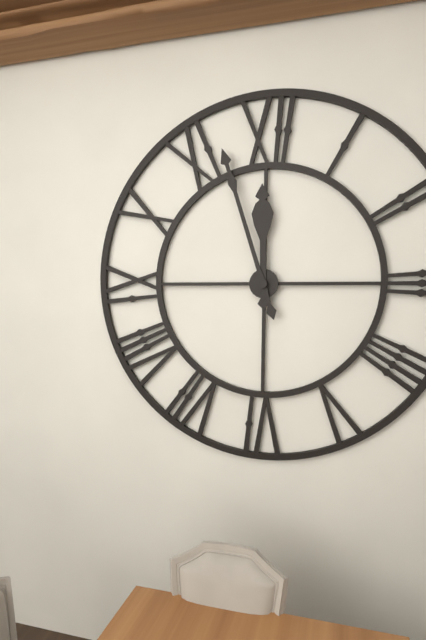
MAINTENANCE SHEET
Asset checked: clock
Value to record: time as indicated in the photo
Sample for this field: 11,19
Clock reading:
11,57
